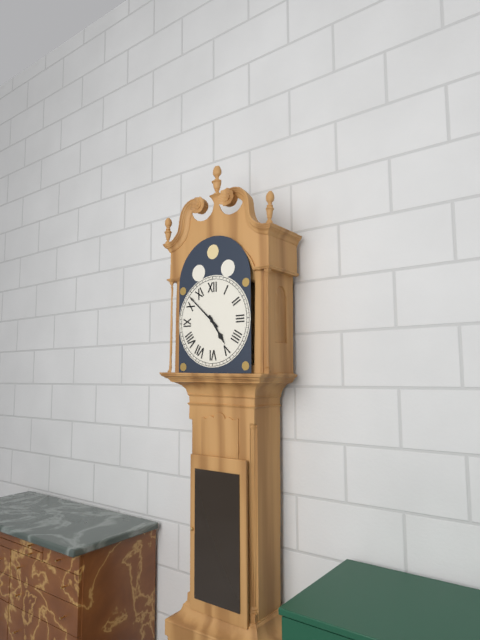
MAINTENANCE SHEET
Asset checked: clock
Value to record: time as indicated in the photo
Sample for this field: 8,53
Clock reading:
4,52
